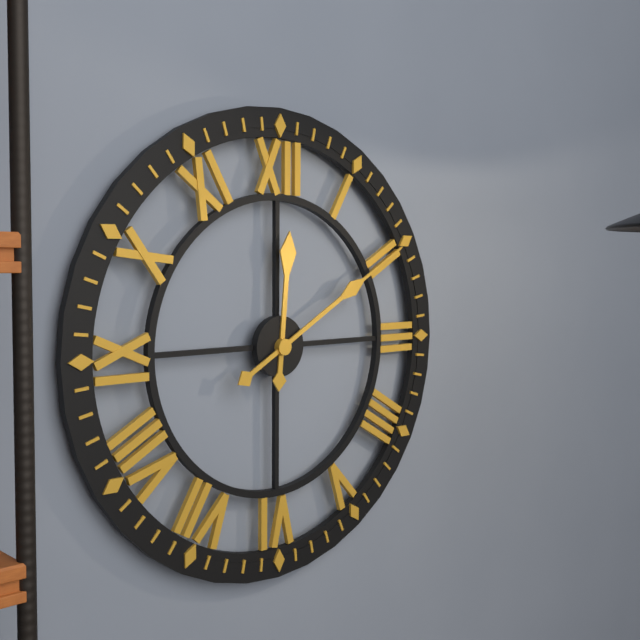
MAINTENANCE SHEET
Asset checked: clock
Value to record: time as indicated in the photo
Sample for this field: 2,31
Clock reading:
12,10
